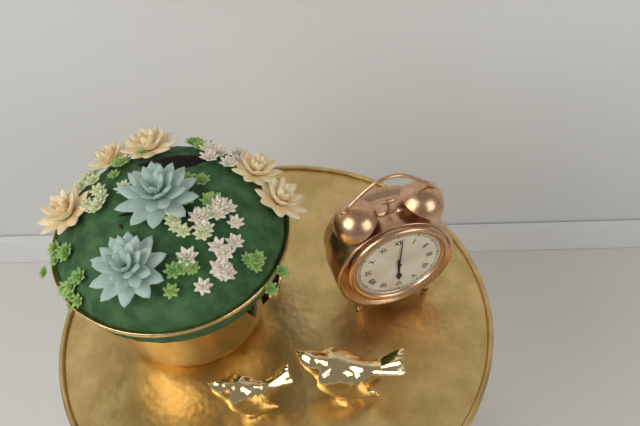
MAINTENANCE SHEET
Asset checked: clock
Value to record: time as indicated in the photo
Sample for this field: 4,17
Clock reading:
6,01
